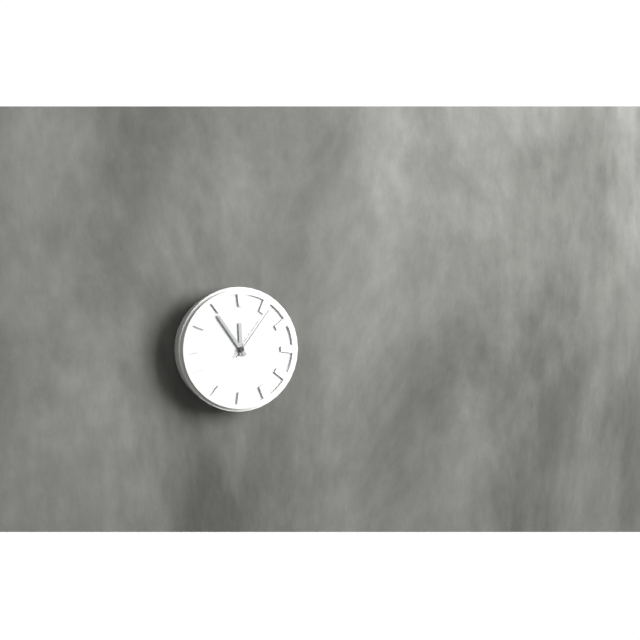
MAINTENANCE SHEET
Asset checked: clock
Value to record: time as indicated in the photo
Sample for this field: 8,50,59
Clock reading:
11,54,06
